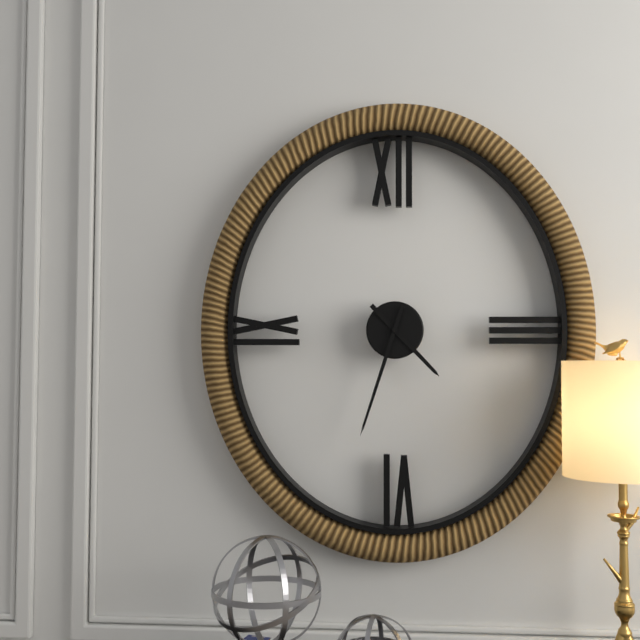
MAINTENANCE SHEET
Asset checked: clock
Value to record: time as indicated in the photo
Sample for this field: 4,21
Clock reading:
4,33
